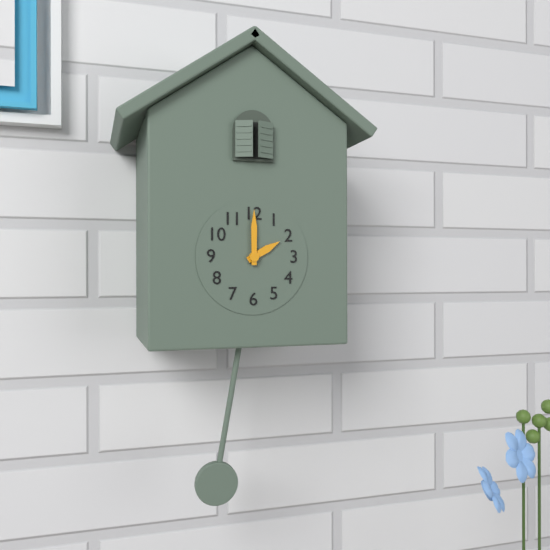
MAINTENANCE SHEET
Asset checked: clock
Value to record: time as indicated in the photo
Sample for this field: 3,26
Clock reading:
2,00
